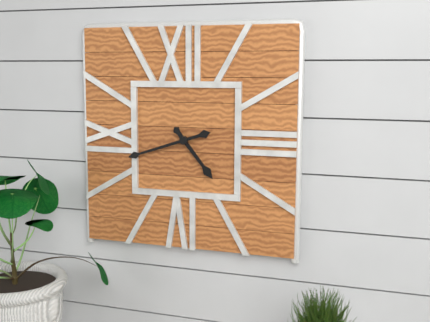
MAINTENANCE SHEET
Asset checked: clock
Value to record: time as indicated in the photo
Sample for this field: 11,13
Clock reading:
4,42
